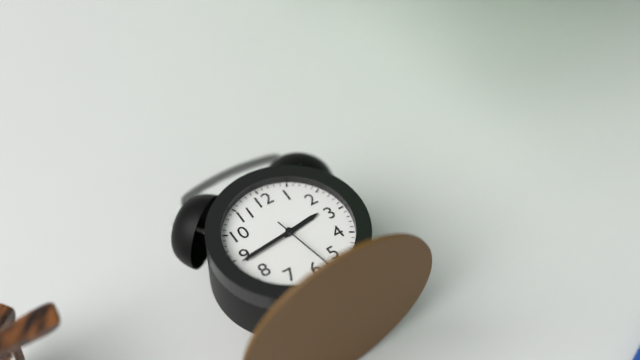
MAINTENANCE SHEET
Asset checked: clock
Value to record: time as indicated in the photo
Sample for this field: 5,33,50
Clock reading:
2,44,28
